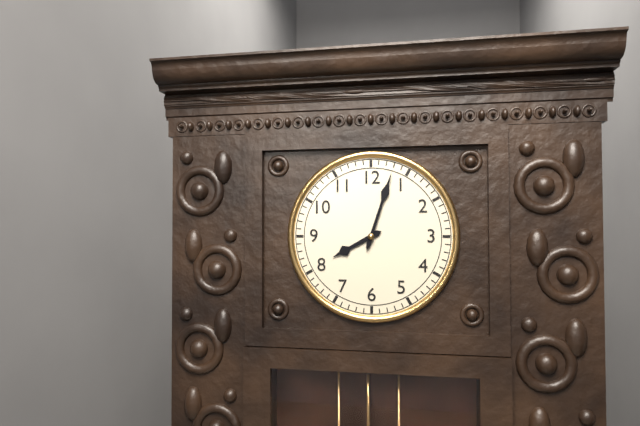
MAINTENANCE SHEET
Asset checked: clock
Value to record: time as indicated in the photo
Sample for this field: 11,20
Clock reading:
8,03
